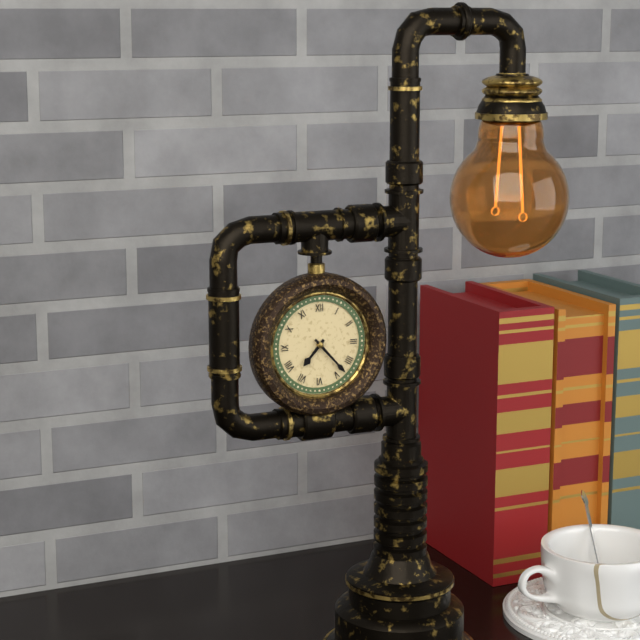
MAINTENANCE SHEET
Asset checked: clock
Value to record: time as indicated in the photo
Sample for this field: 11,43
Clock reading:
7,23
